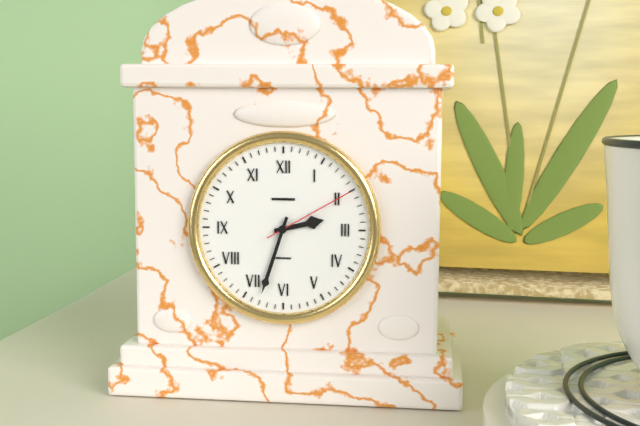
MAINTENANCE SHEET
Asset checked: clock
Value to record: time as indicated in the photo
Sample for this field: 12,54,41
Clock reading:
2,33,10
